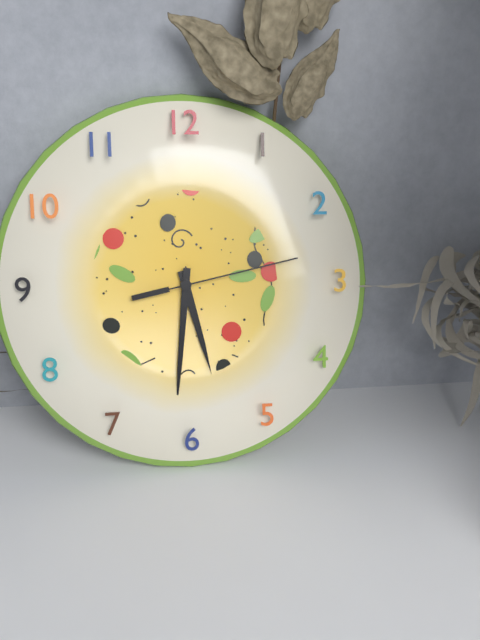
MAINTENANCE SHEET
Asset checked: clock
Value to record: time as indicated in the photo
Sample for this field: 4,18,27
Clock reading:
5,31,13
